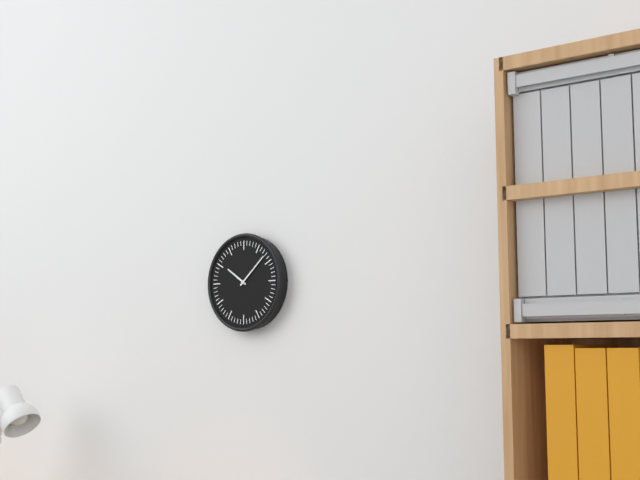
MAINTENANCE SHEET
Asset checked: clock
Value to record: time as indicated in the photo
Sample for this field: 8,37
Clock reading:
10,08
